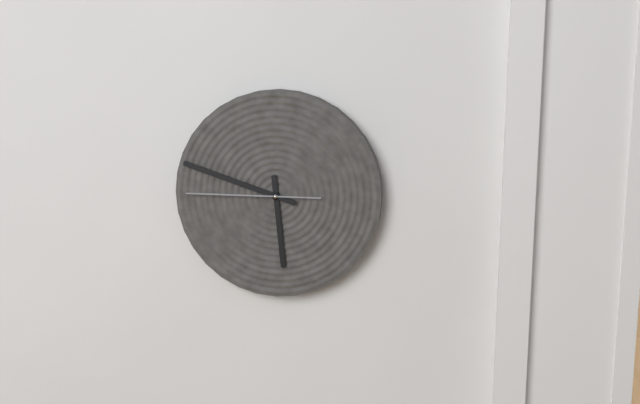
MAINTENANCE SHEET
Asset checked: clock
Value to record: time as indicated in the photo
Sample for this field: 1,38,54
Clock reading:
5,48,45
